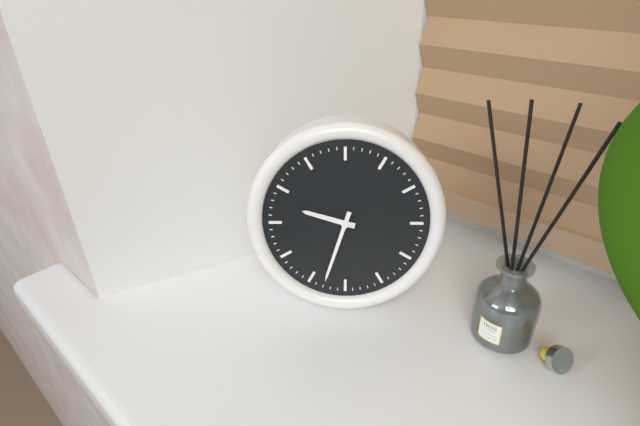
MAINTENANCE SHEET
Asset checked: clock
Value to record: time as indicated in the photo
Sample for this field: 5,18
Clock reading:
9,33
